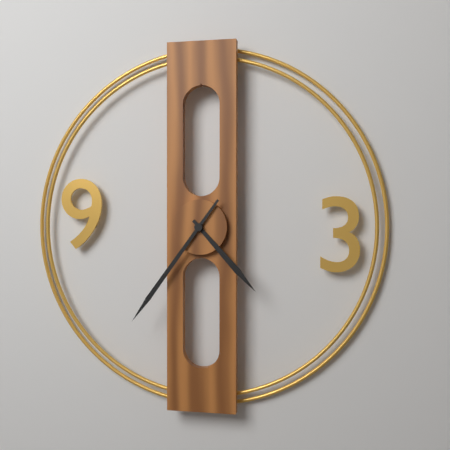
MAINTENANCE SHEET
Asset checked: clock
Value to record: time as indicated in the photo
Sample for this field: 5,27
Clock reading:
4,36
